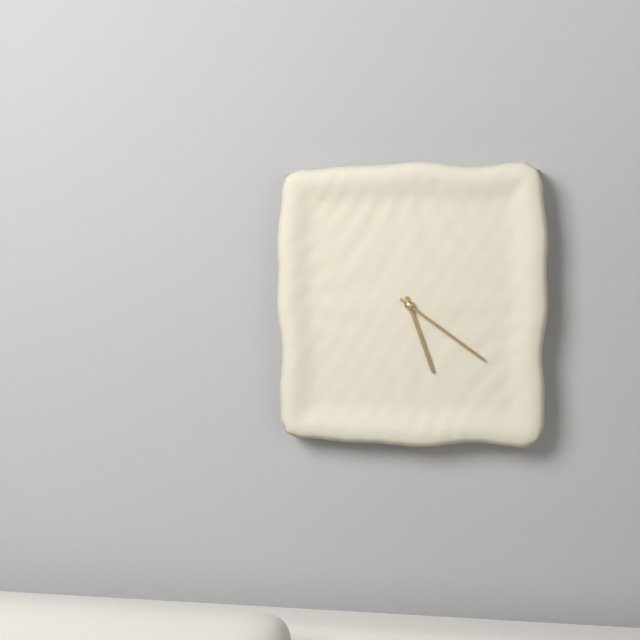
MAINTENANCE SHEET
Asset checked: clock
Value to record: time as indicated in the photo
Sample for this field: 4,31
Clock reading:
5,21
